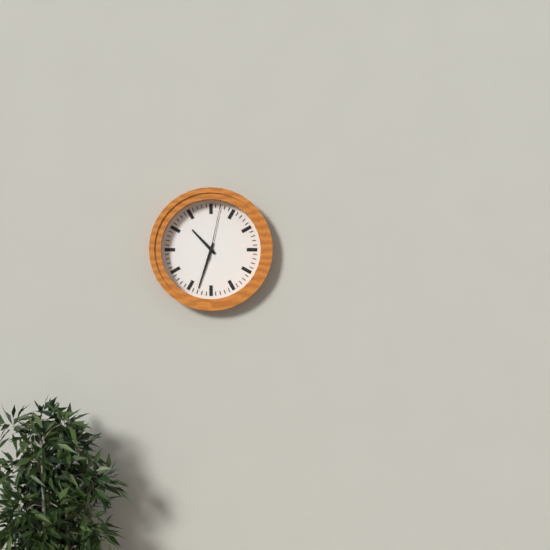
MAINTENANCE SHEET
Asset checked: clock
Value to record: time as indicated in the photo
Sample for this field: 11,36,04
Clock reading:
10,33,02
